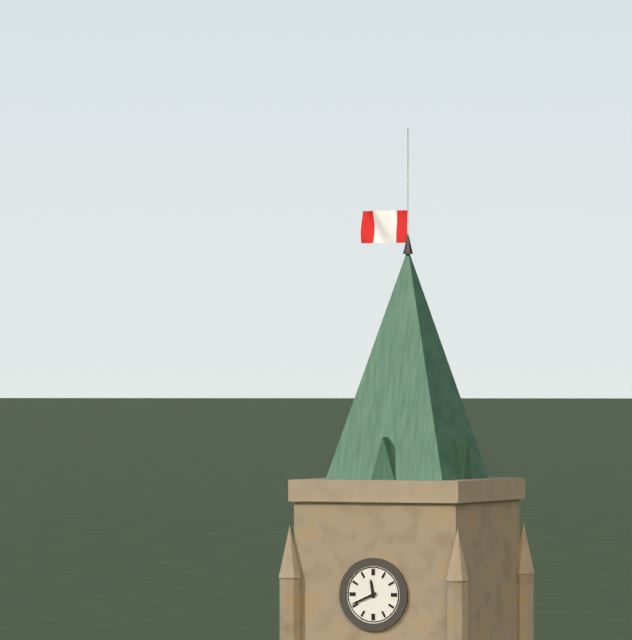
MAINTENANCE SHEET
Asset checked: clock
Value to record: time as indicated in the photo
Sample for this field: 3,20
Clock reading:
11,41
